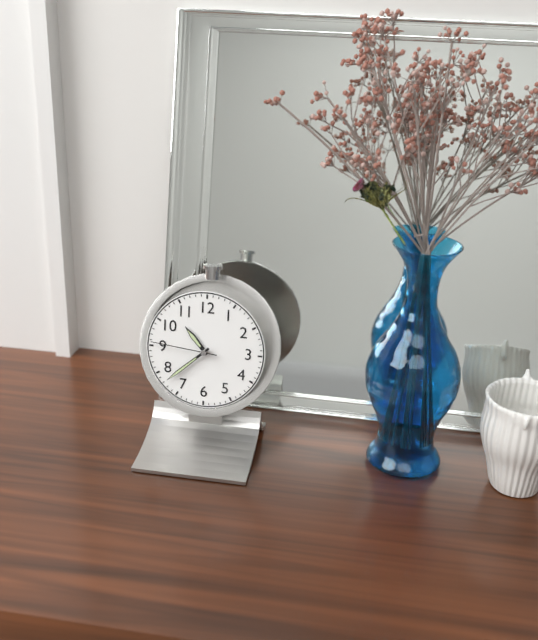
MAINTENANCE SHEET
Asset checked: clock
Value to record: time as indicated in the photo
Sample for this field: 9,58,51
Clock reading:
10,38,46
